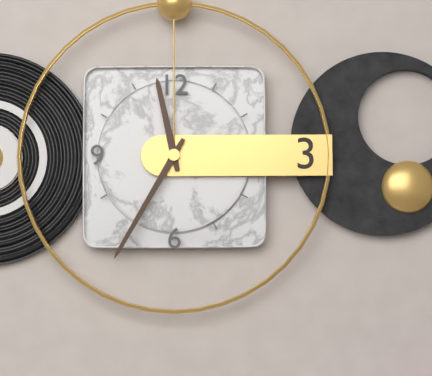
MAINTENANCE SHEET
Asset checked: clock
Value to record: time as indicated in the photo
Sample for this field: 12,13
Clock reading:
11,35
